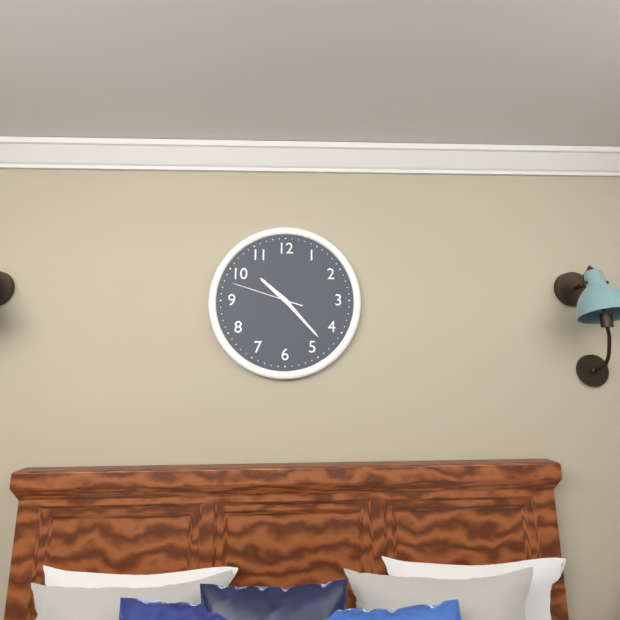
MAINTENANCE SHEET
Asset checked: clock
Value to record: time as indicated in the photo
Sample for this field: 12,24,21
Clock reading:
10,23,48
